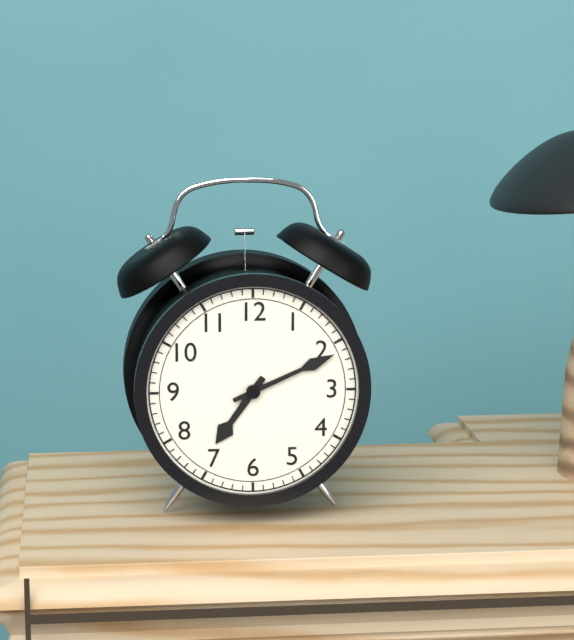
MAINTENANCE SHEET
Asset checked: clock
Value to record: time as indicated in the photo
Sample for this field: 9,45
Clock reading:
7,11
